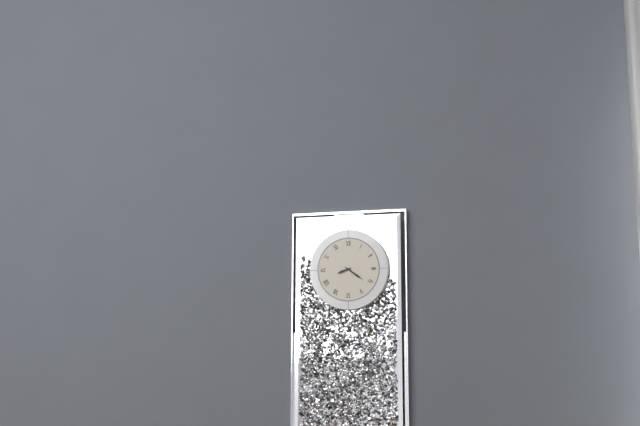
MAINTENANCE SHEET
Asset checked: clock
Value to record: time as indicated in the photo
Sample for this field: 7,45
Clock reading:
8,21
